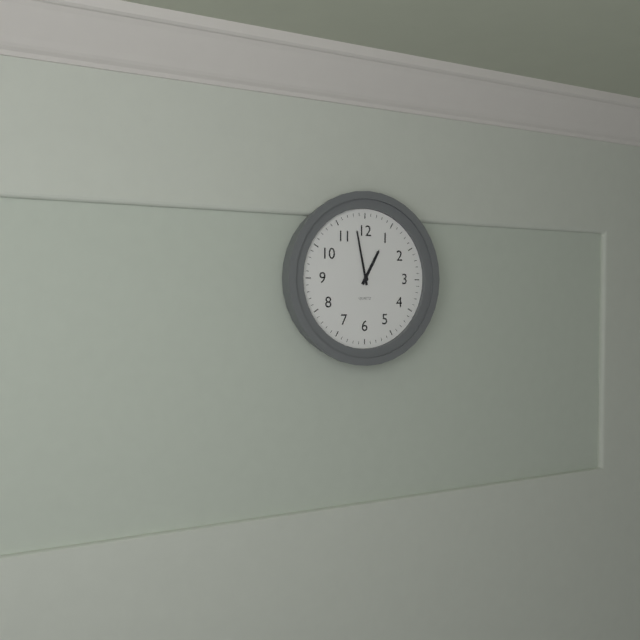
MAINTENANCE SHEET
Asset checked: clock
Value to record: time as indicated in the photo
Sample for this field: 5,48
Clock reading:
12,58
